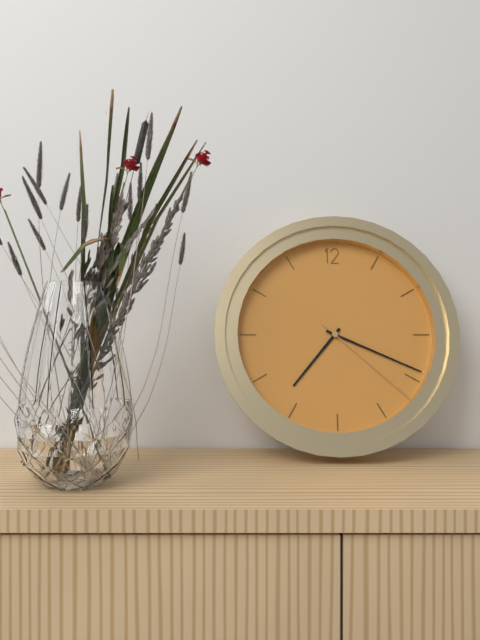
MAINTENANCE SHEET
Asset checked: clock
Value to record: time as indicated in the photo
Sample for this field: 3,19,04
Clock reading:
7,19,22
